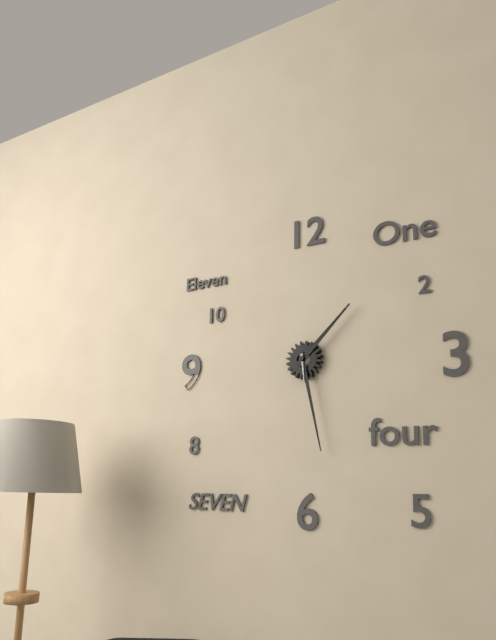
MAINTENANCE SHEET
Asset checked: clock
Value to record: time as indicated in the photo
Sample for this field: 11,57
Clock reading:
1,28
